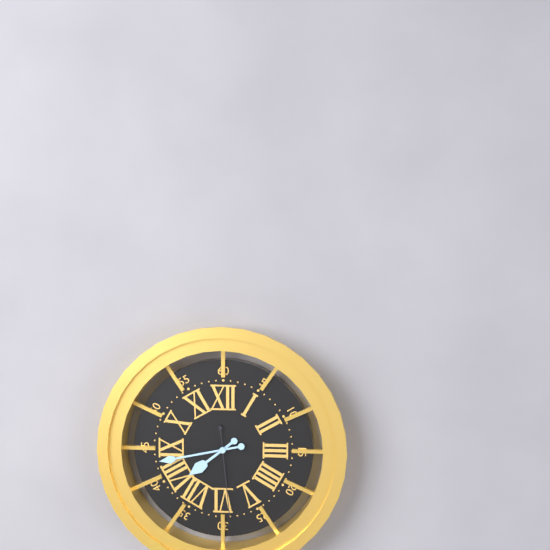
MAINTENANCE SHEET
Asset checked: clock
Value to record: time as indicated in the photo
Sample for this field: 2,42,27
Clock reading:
7,43,29
